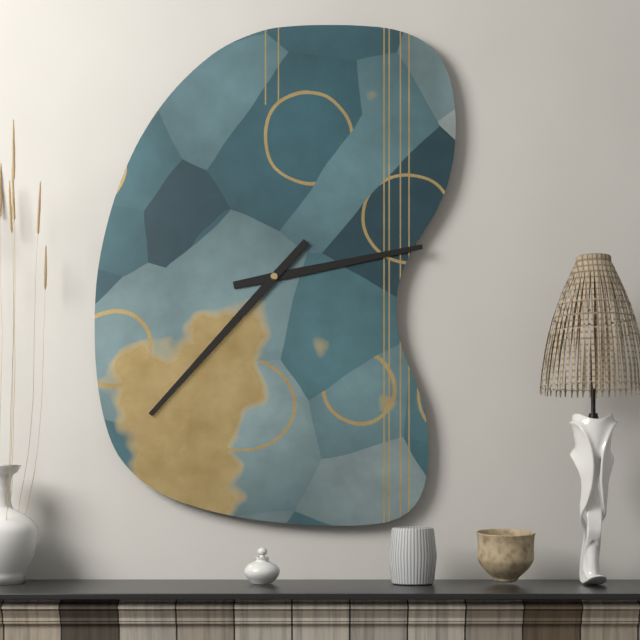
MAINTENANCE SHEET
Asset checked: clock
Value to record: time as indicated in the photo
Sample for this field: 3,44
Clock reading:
2,37
